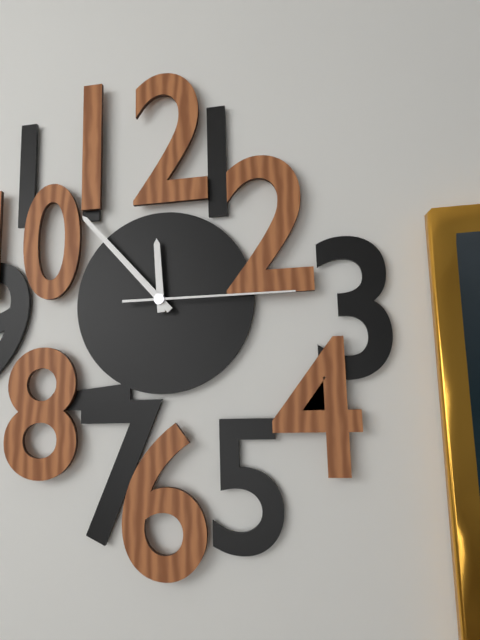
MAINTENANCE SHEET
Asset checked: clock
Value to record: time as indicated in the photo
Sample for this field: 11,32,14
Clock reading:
11,53,15
